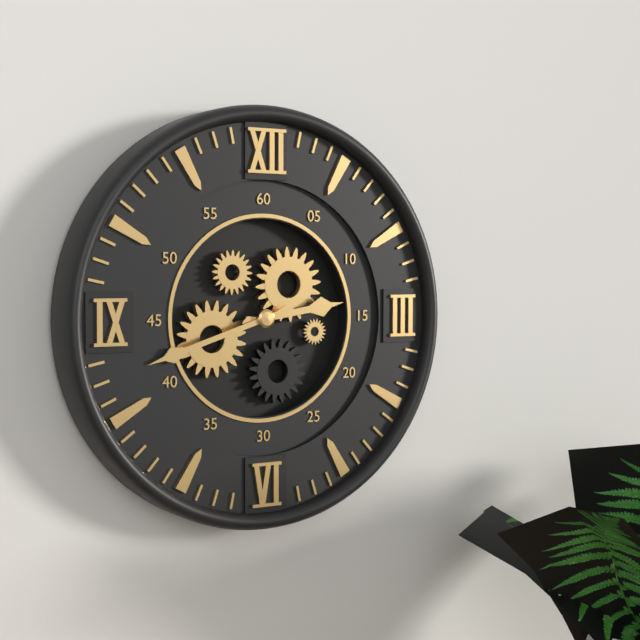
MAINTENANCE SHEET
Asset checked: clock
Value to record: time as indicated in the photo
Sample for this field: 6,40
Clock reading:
2,42
